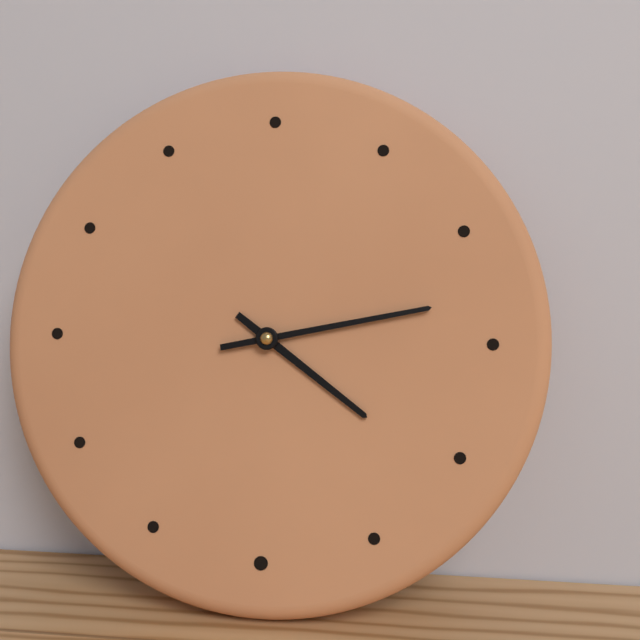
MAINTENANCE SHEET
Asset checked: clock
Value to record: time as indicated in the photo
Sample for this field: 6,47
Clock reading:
4,13
